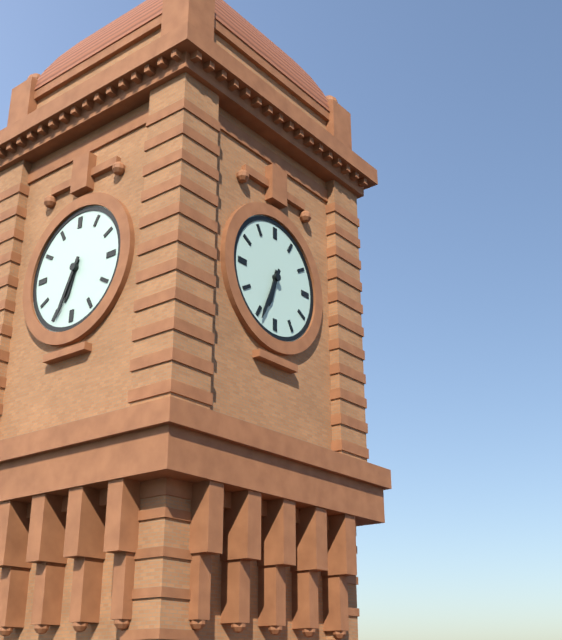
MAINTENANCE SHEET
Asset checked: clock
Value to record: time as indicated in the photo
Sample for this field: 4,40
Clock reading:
6,34
